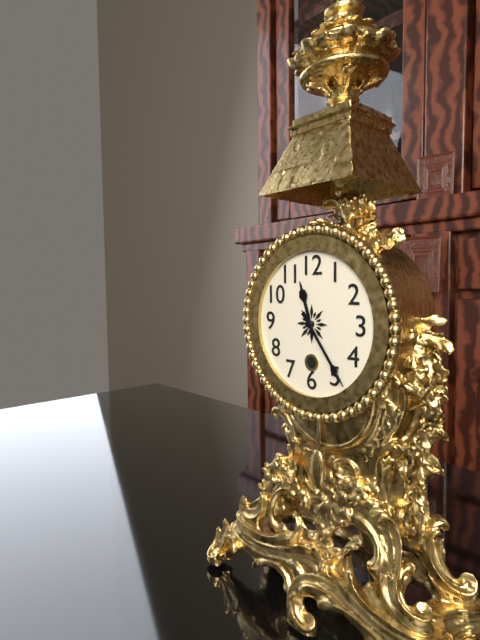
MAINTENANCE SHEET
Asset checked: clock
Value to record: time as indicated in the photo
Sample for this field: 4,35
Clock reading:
11,24
